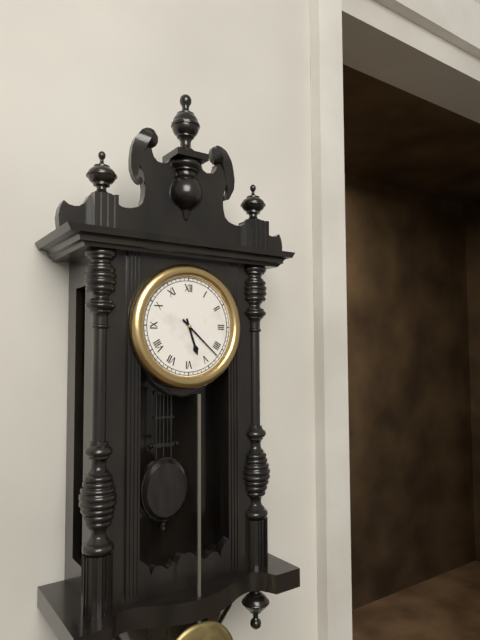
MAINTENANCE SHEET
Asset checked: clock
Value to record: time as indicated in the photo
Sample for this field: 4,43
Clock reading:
5,22
